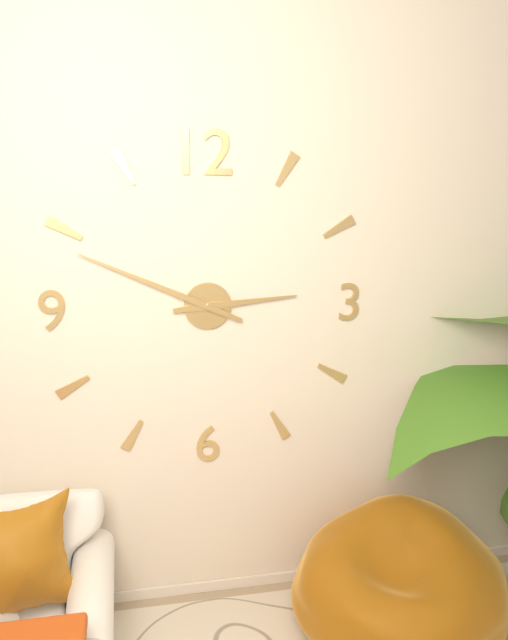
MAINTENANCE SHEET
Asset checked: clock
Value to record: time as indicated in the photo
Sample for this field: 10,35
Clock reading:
2,49
